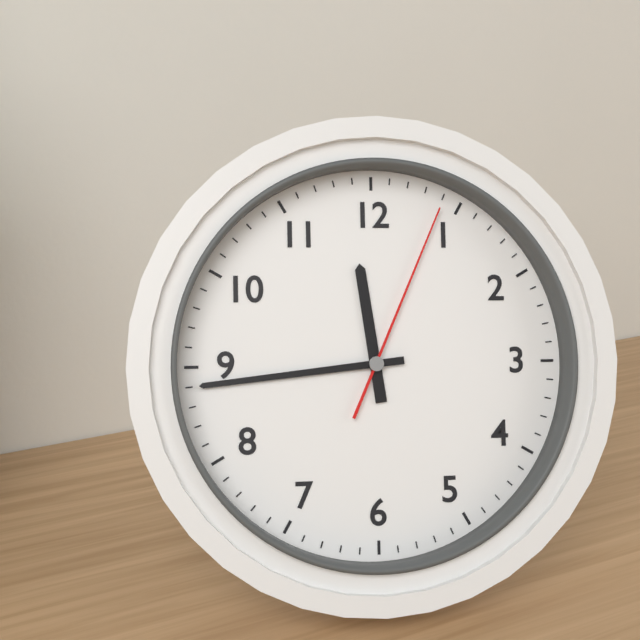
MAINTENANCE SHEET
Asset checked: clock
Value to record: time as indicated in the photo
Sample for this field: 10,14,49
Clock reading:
11,44,04
